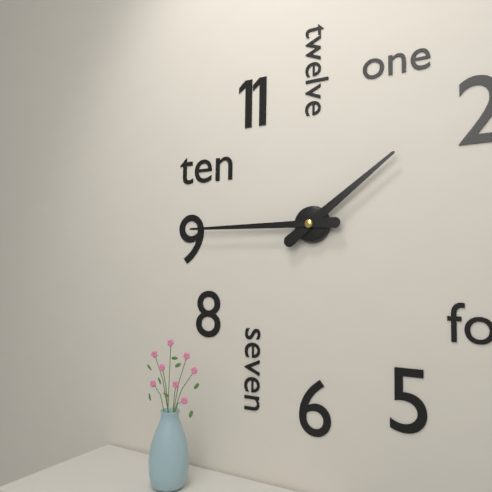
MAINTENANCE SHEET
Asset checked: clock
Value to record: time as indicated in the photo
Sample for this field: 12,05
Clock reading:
1,45
